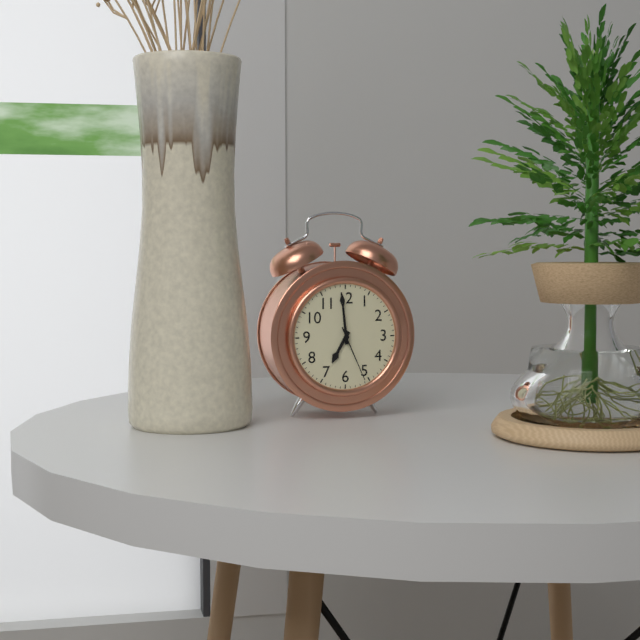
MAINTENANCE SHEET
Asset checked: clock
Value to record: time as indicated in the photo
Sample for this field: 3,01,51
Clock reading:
6,59,26
